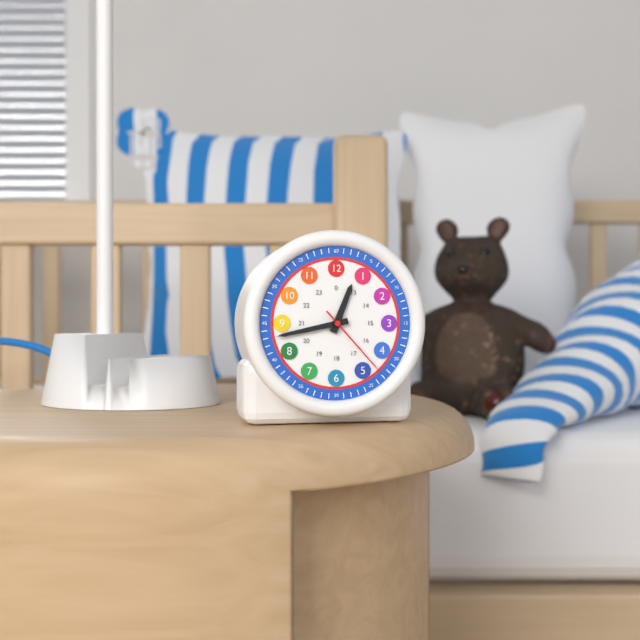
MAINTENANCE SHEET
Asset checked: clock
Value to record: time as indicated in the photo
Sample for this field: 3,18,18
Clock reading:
12,43,23
